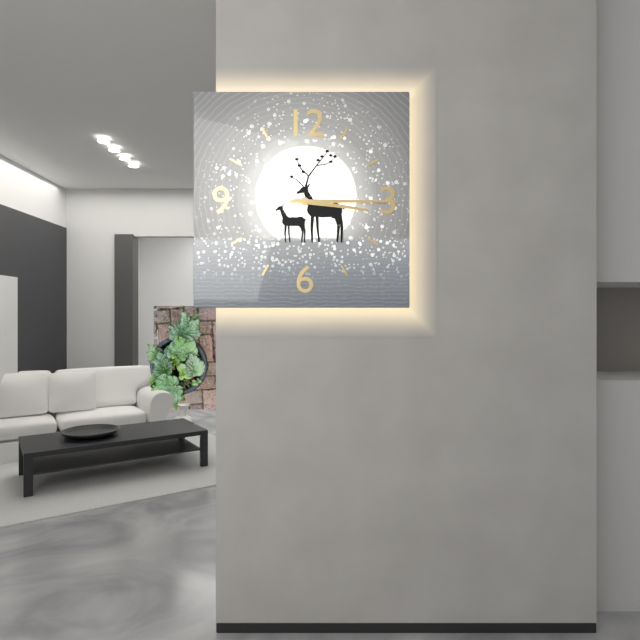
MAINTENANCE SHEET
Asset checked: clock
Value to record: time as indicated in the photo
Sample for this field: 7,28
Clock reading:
3,15
